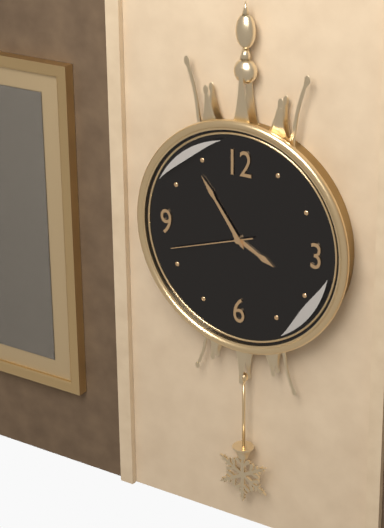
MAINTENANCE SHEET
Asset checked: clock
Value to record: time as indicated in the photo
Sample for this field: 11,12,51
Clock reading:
3,54,42
